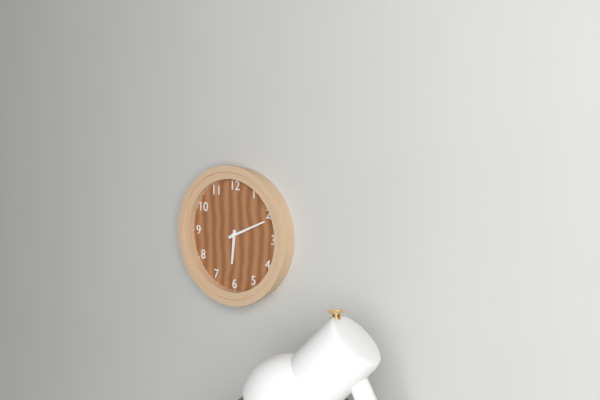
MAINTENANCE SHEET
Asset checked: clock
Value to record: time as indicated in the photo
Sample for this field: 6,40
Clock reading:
6,11
